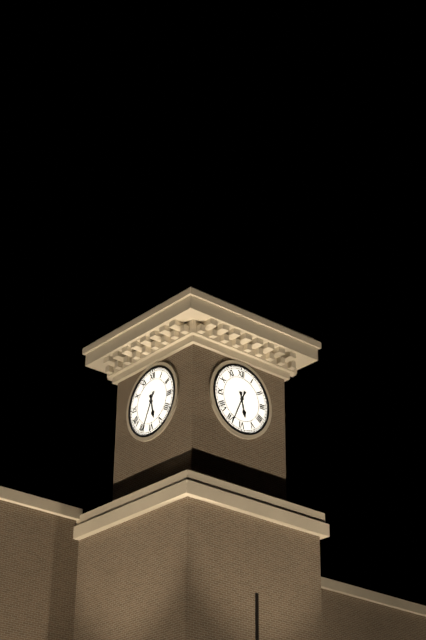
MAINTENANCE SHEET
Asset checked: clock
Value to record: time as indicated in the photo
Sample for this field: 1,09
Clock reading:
5,34
